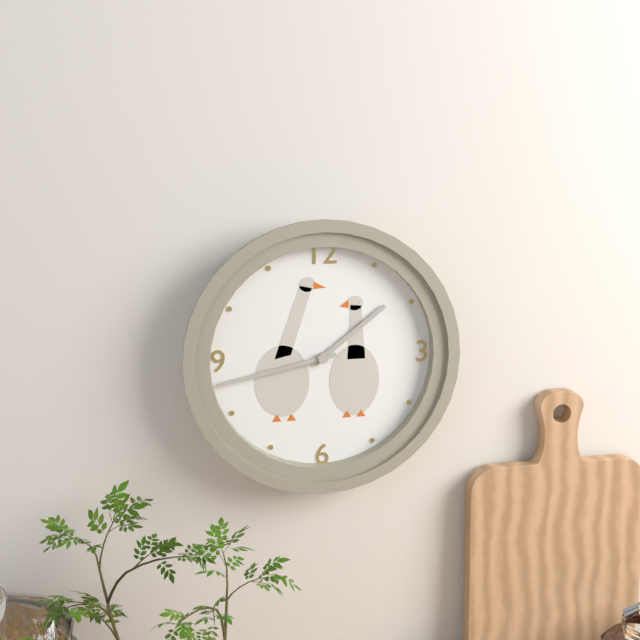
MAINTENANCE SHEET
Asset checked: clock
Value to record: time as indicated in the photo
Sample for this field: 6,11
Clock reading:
1,43
